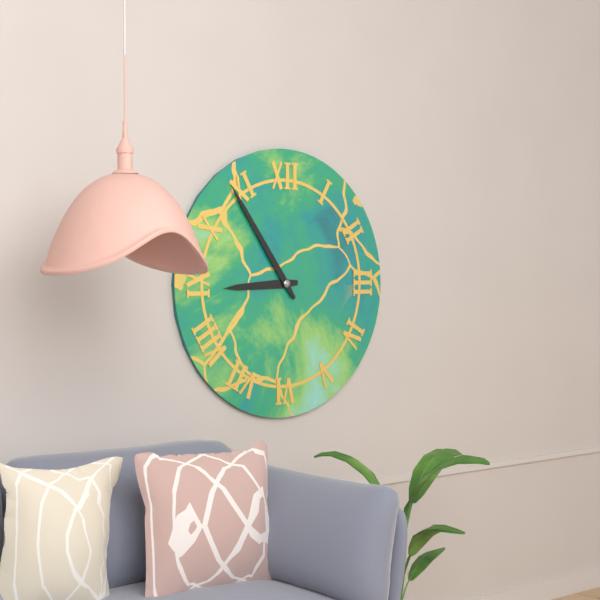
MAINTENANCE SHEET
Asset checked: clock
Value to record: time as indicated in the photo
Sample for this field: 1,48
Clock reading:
8,54
